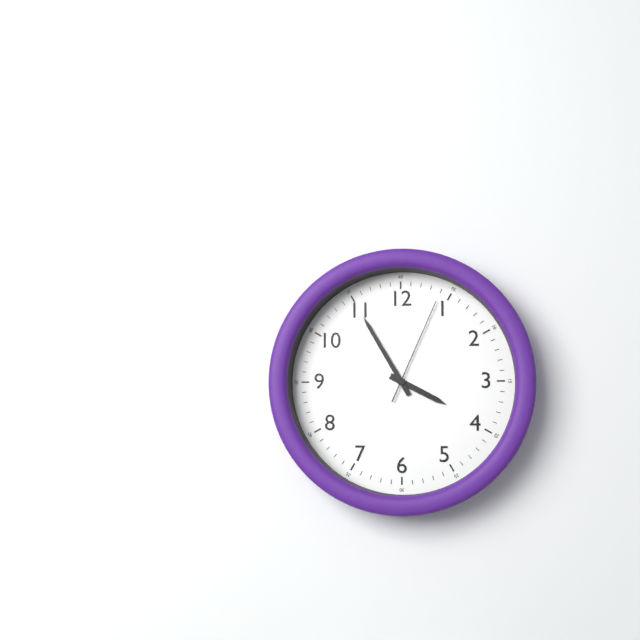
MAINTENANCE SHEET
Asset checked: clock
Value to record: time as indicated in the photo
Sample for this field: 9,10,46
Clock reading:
3,55,04
